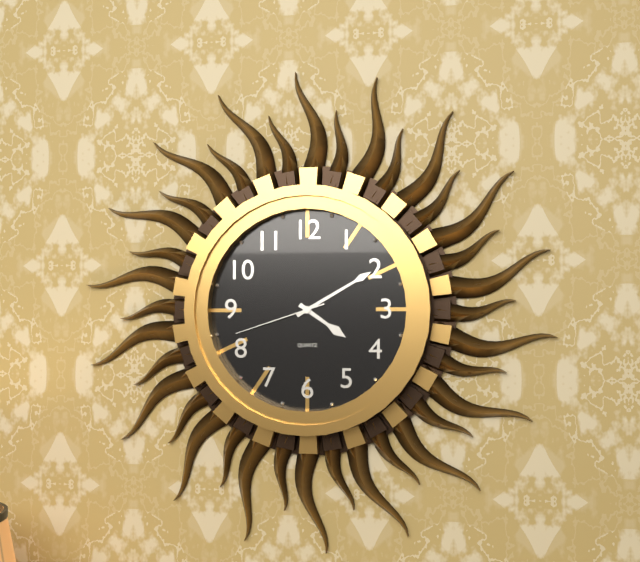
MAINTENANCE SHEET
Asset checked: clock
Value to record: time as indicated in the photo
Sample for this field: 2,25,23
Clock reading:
4,10,42
